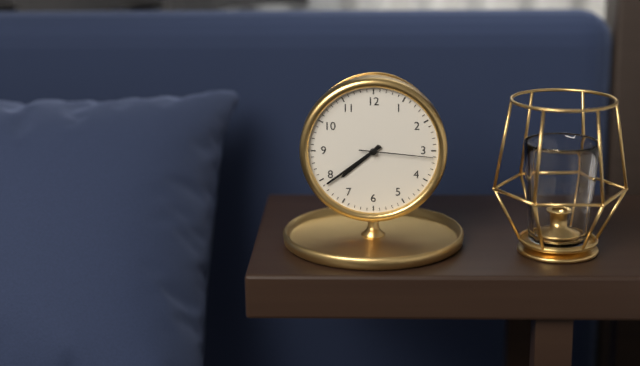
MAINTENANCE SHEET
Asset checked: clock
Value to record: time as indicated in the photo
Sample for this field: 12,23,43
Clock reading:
7,39,16
